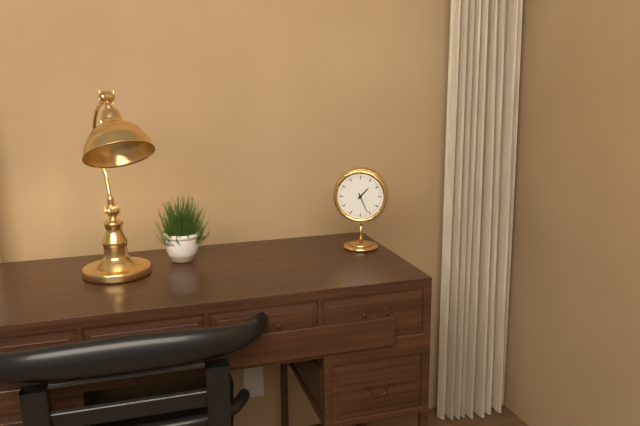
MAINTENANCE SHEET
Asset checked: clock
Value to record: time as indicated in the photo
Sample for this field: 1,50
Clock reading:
1,26
